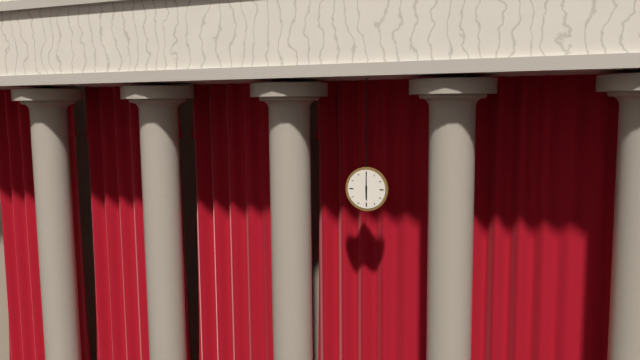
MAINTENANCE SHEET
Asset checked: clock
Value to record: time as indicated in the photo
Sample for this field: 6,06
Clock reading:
6,00
